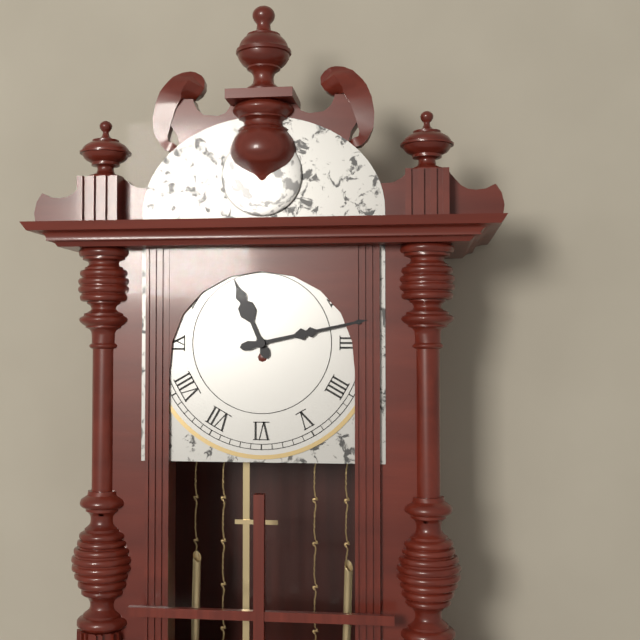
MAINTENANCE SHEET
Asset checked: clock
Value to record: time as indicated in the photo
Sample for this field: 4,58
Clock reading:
11,13
